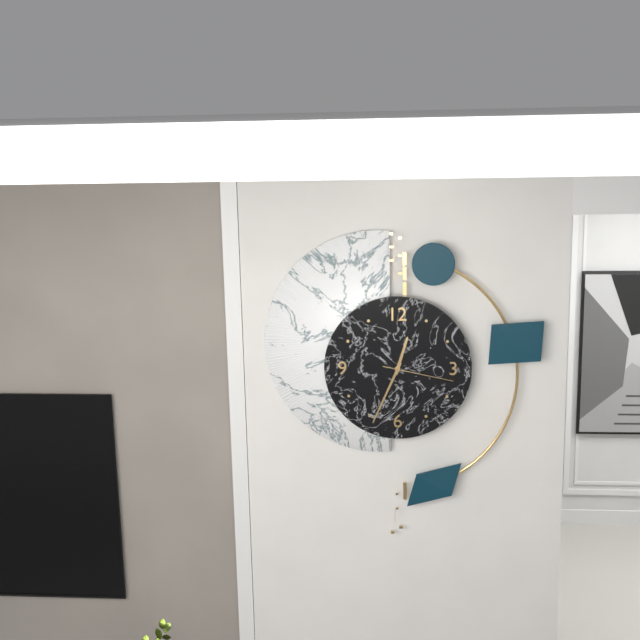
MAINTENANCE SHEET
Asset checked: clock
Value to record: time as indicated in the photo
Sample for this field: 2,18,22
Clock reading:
12,34,17
